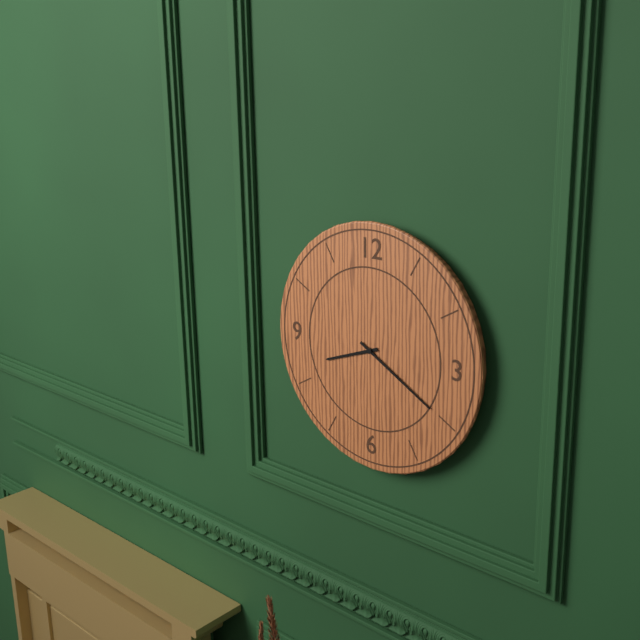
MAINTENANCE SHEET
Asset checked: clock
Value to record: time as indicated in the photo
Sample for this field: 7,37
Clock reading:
8,20
